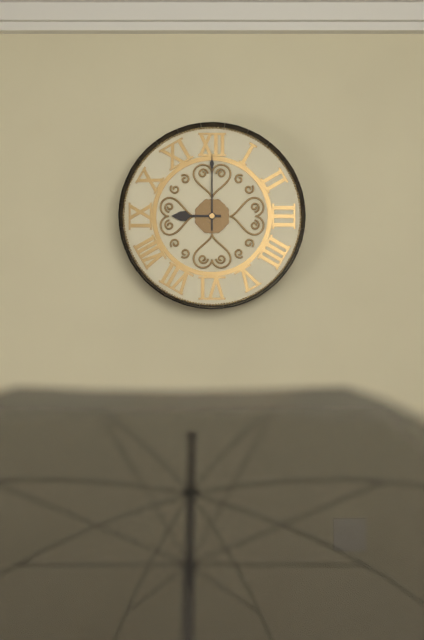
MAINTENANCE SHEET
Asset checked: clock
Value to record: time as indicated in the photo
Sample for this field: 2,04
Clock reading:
9,00
